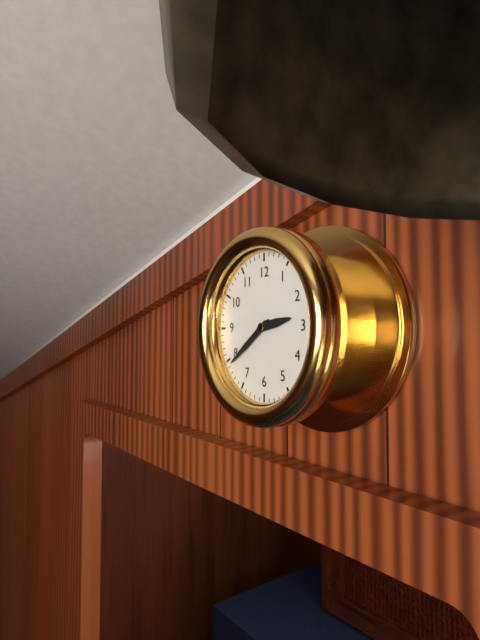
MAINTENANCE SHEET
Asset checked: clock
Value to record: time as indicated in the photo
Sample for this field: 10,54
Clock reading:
2,39
